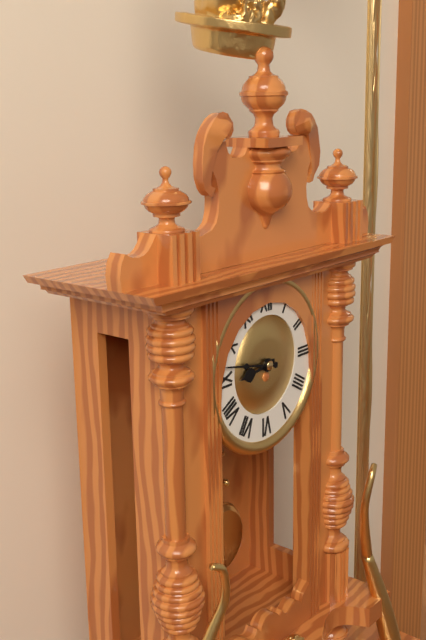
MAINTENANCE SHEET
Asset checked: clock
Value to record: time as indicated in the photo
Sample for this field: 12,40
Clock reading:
8,47
